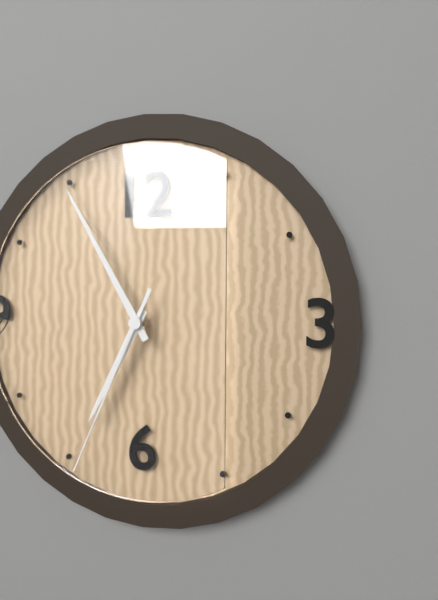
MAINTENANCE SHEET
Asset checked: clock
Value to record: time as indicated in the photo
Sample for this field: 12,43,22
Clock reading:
6,55,34
